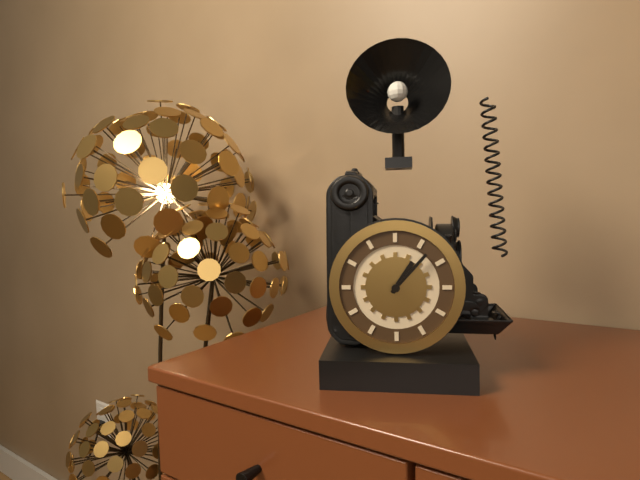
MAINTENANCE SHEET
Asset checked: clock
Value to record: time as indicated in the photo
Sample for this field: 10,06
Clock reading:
1,07
